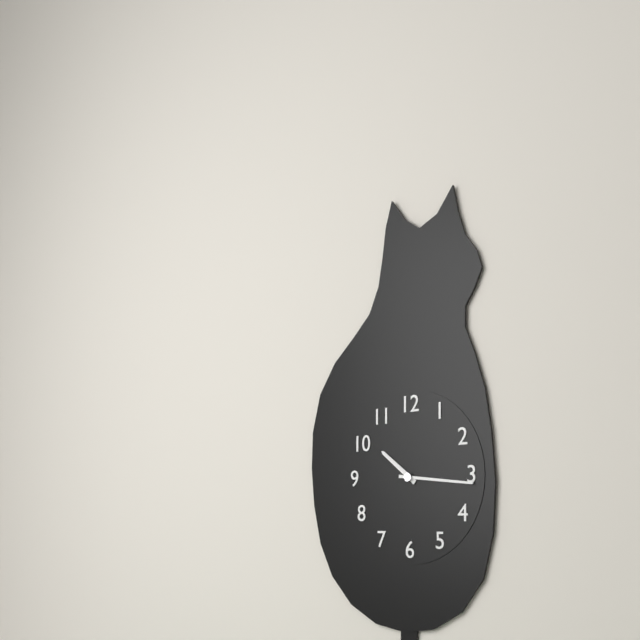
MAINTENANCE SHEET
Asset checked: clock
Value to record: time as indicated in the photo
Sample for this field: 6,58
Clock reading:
10,16
